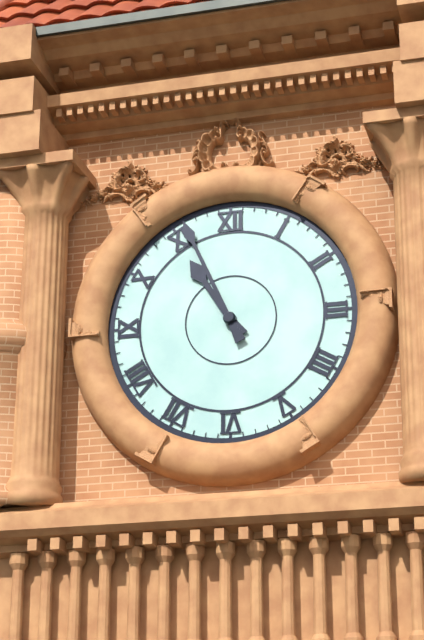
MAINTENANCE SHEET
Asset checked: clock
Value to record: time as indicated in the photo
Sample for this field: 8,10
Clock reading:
10,56
